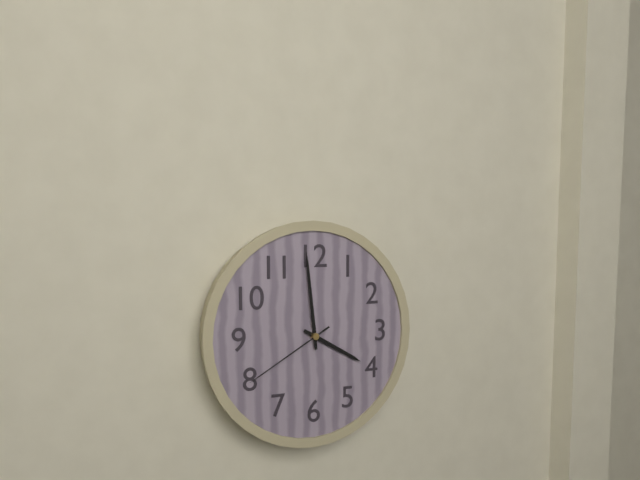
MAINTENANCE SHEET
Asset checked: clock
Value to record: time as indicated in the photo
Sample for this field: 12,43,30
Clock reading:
3,59,40
